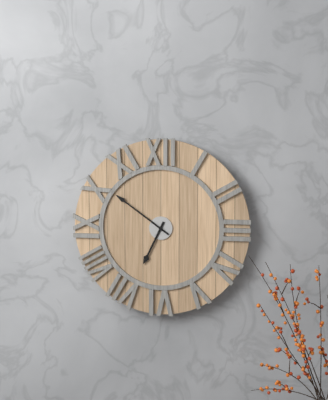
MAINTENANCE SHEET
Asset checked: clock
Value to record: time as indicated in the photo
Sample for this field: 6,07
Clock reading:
6,51
